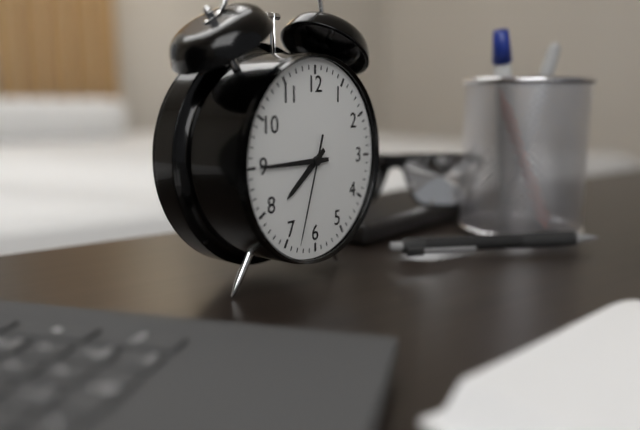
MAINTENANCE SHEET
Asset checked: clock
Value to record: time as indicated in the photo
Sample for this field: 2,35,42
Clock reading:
7,45,33
